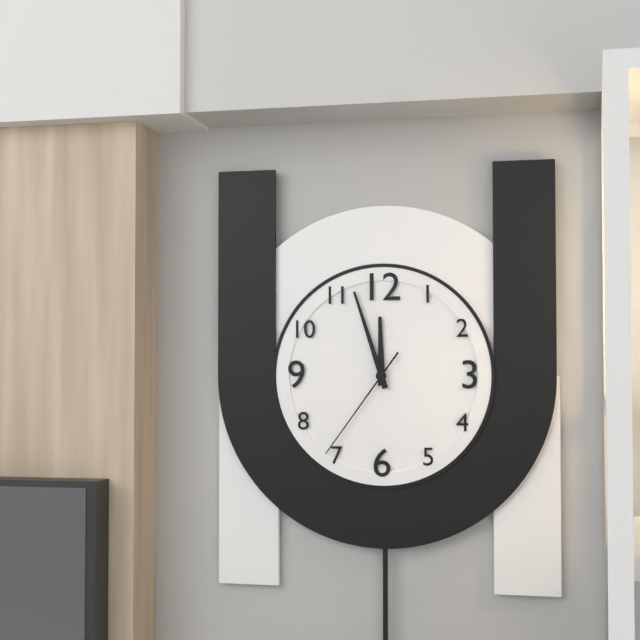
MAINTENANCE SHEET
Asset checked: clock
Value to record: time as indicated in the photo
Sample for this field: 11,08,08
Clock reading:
11,57,36
